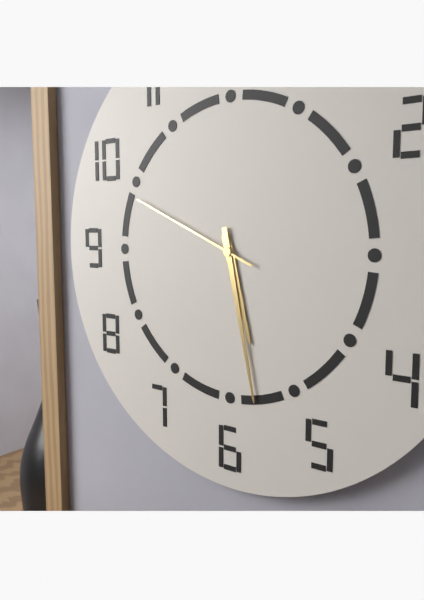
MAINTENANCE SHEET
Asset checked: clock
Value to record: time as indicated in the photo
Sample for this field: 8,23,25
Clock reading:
5,28,49
